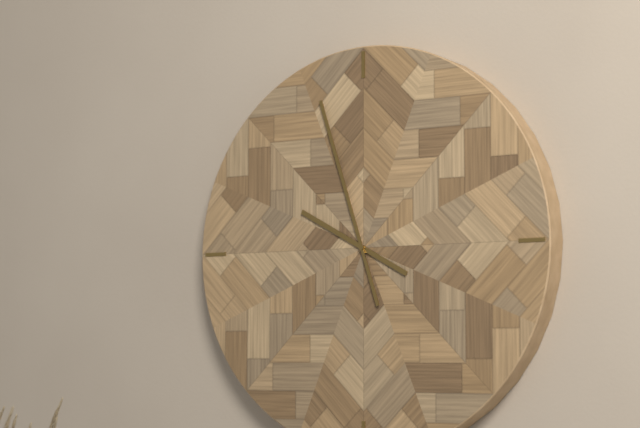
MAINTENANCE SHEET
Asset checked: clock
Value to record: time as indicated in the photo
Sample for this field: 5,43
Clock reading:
9,57
